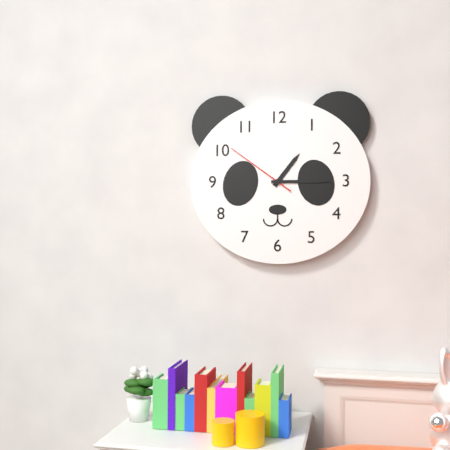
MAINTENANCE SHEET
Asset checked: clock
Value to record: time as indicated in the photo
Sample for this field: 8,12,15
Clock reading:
1,15,51
